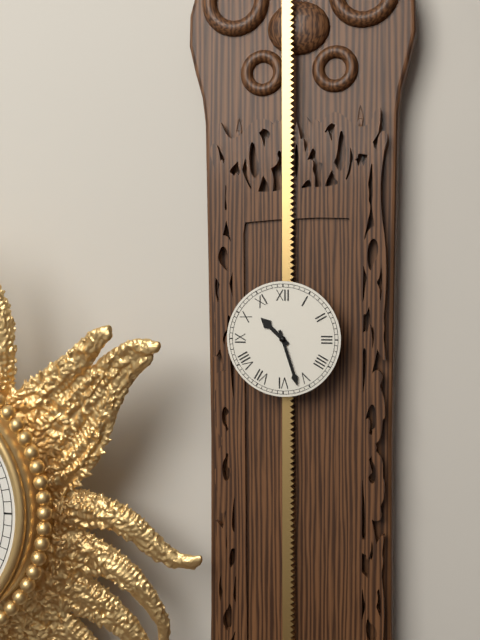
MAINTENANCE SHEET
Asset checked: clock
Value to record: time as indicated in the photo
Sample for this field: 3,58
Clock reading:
10,27
